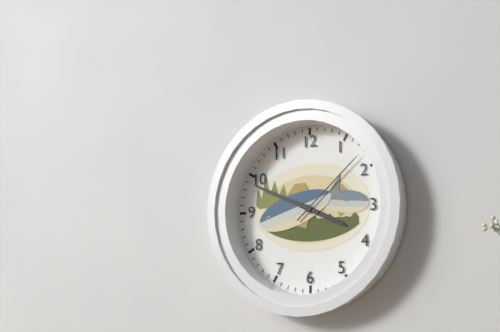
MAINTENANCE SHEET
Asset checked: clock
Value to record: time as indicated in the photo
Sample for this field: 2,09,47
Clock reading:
3,49,08
